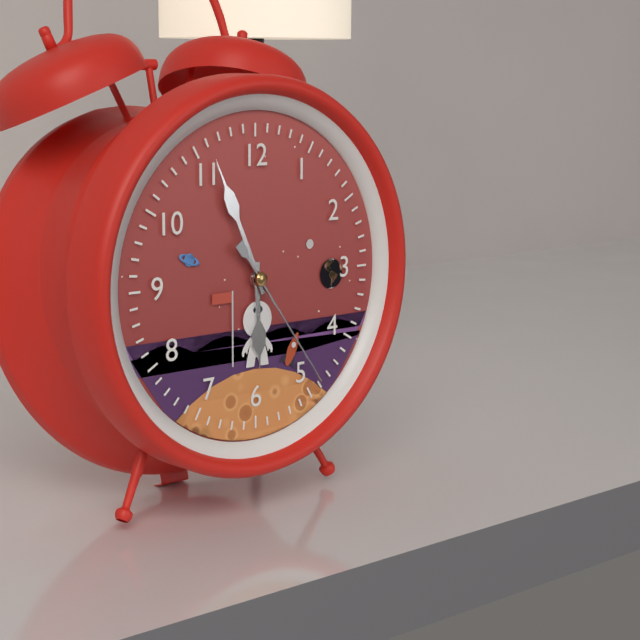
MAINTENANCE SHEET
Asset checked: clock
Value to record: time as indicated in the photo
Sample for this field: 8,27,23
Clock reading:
5,56,24
